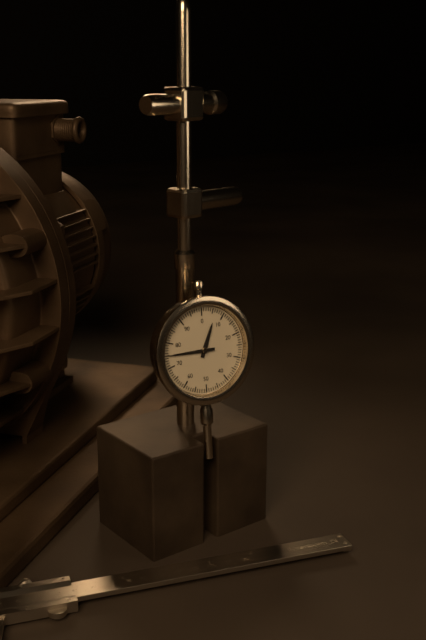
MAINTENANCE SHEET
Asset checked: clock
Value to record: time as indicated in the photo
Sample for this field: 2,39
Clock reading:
12,45
